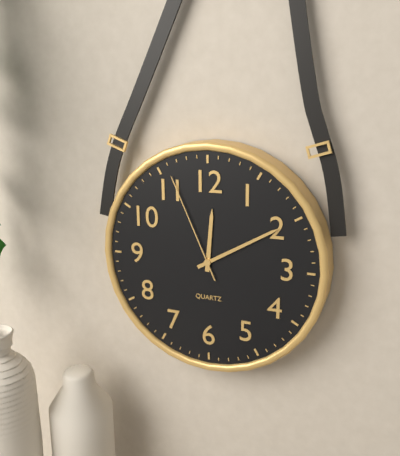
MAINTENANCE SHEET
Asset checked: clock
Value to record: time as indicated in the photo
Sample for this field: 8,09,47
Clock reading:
12,10,56
